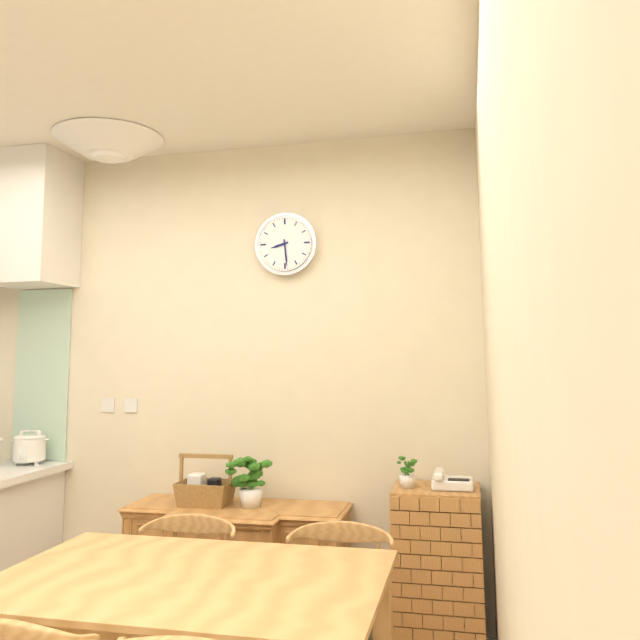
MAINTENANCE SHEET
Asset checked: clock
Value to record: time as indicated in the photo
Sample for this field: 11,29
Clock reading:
8,29
